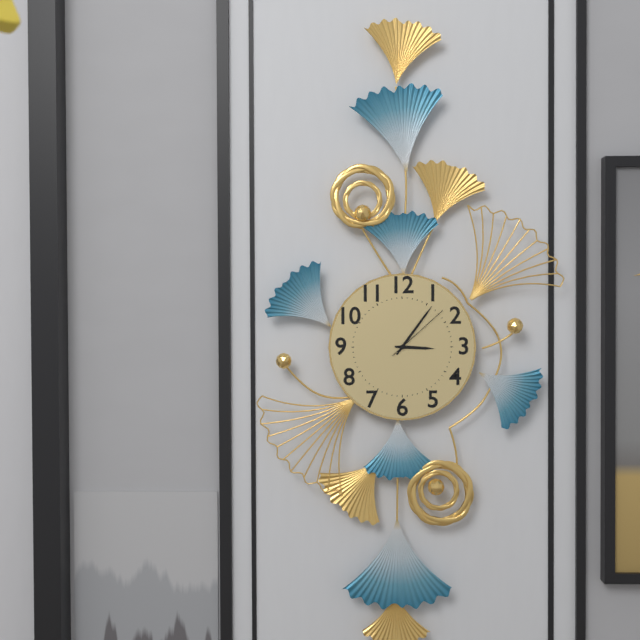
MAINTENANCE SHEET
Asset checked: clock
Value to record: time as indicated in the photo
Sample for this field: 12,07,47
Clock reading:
3,06,08
